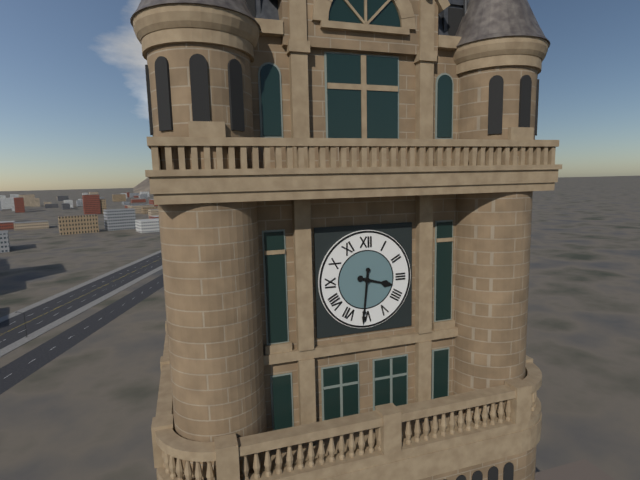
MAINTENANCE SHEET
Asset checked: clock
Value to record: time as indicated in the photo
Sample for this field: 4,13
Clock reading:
3,31
